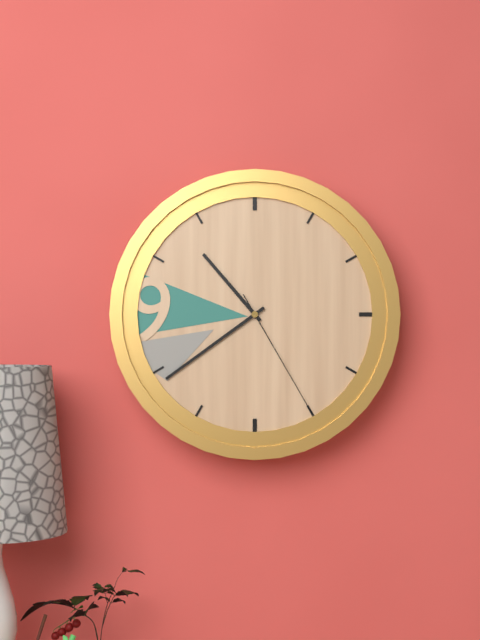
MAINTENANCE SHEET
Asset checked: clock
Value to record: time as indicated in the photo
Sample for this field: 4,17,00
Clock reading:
10,39,25
